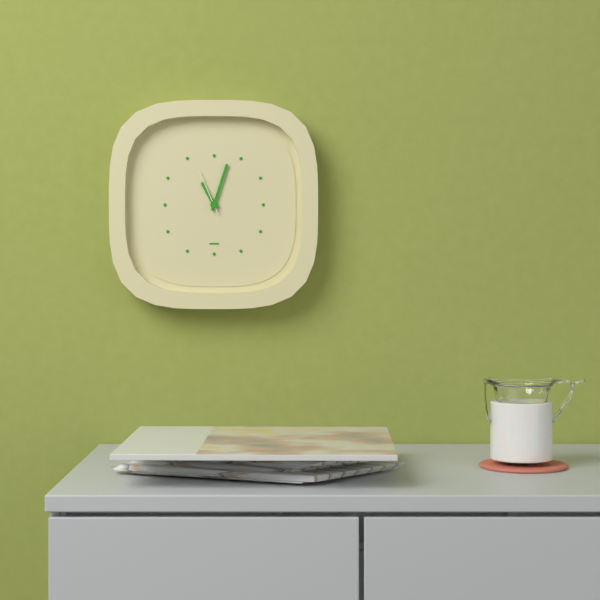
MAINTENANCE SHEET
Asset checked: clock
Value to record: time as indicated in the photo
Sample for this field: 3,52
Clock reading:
11,03
